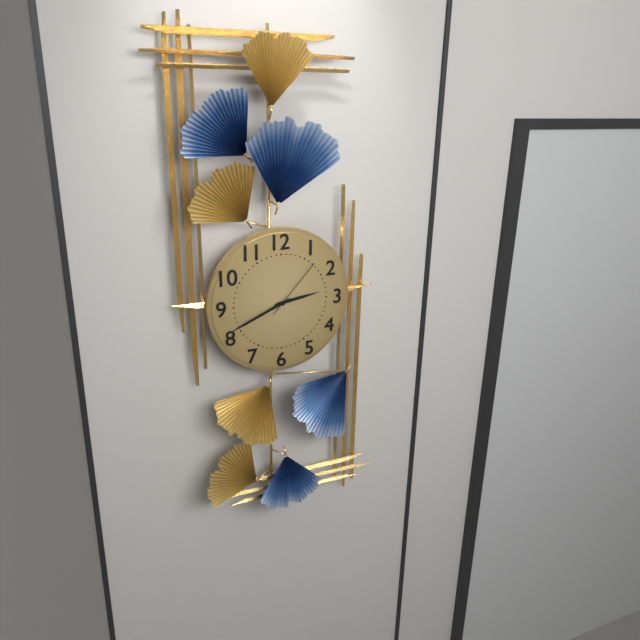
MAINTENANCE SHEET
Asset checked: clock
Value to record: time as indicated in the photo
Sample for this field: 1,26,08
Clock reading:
2,41,07
